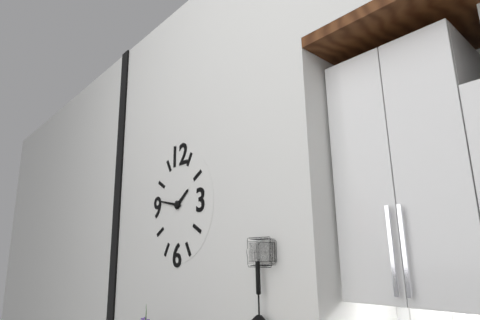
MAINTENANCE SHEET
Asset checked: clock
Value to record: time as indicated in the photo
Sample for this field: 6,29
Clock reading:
1,47
